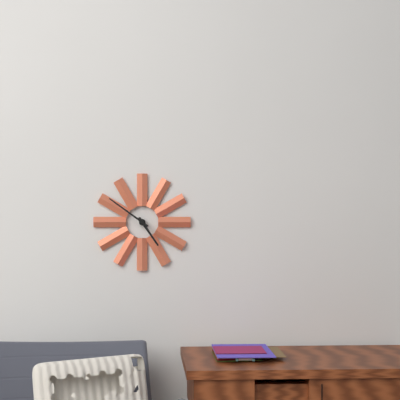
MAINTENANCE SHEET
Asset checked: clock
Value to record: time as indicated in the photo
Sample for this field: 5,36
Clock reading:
4,51
